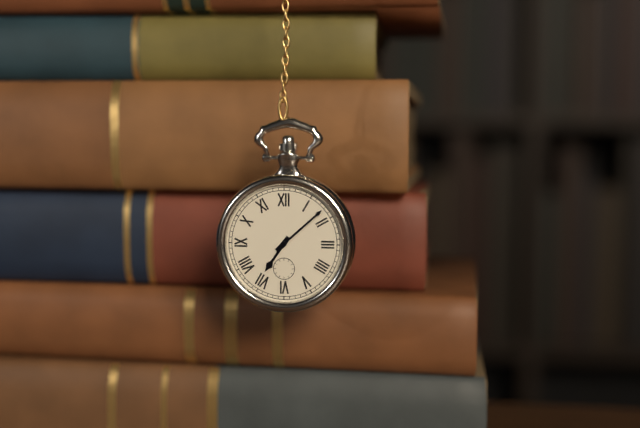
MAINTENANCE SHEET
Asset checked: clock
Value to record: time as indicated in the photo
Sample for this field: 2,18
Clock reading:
7,08
